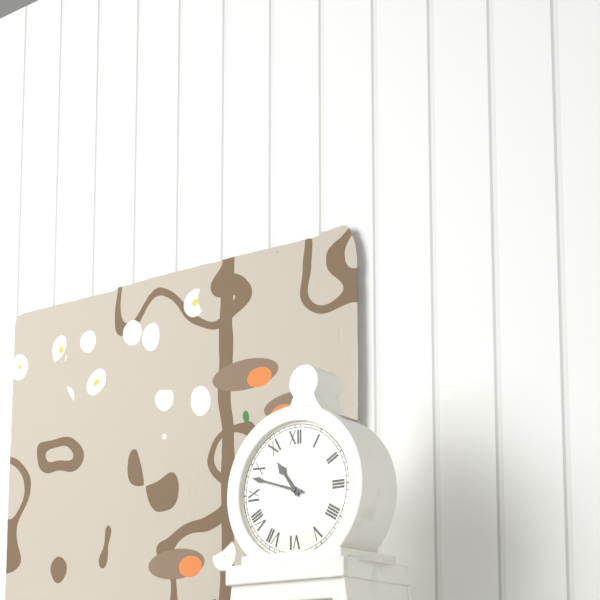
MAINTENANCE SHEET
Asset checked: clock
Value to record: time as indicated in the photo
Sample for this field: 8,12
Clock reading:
10,48
